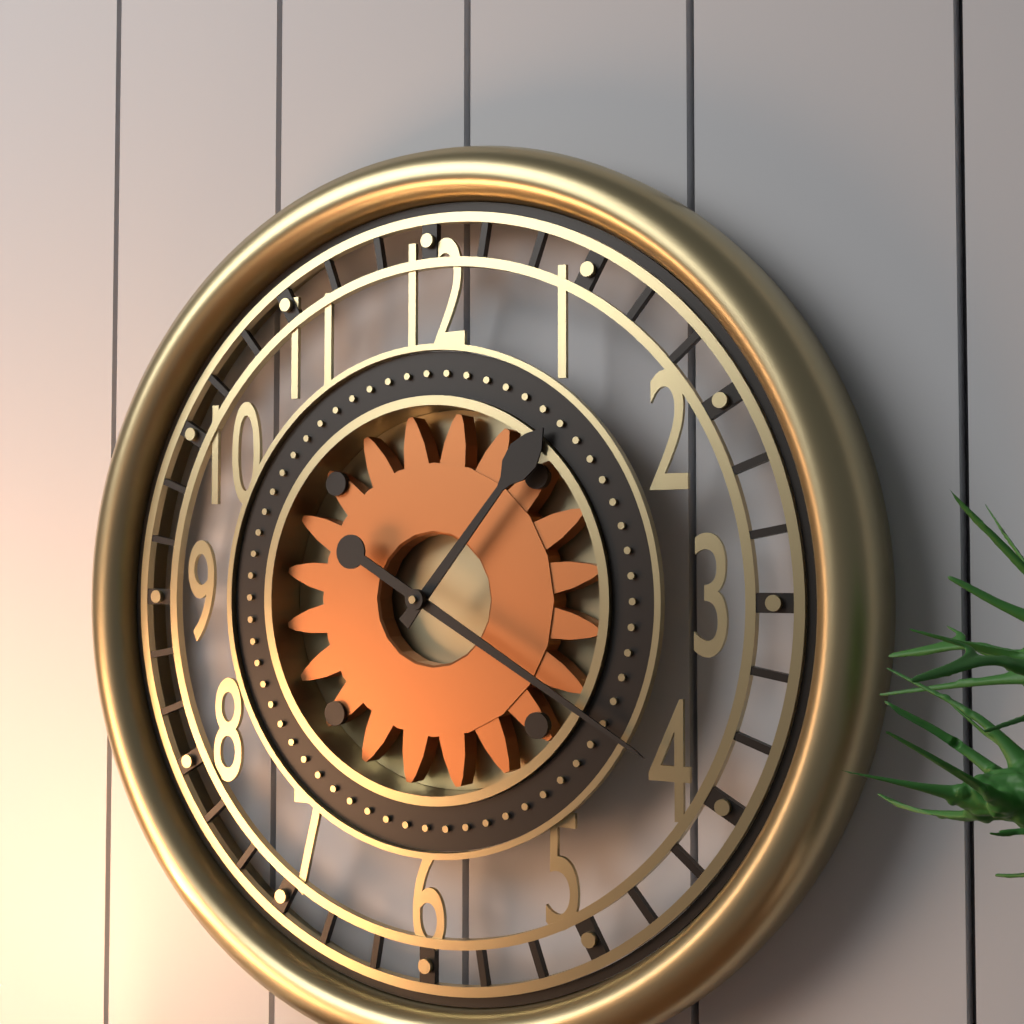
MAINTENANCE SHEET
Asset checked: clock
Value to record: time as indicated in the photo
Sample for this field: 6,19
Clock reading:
1,20
